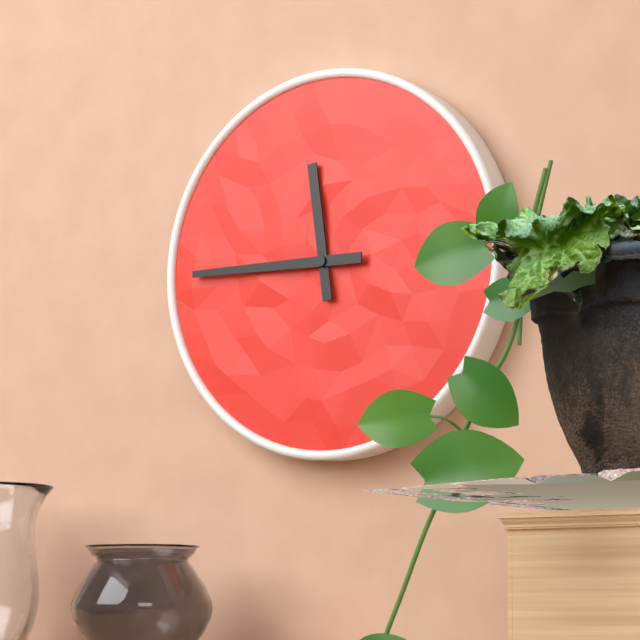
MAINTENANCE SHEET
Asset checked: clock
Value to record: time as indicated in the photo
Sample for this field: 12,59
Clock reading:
11,45
